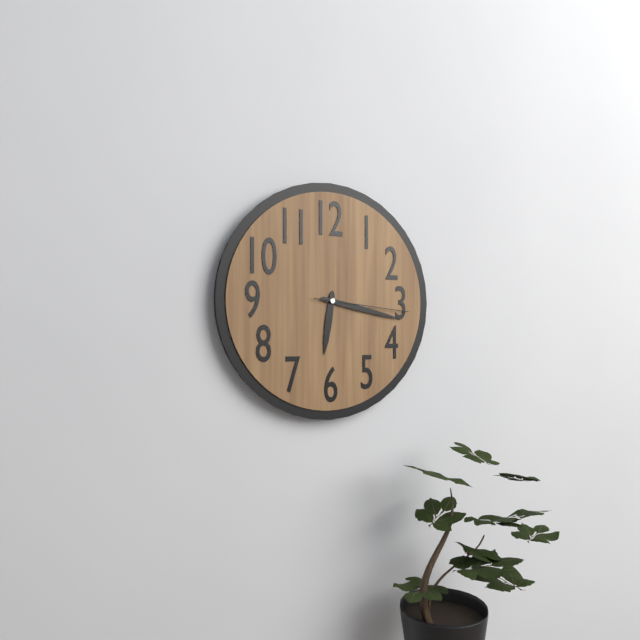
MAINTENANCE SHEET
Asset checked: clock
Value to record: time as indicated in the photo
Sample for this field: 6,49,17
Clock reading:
6,17,16
